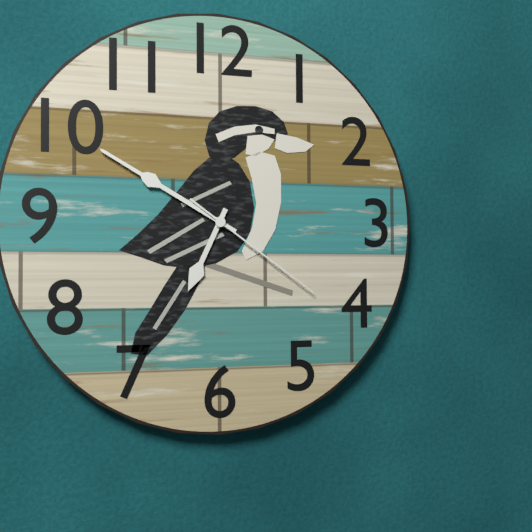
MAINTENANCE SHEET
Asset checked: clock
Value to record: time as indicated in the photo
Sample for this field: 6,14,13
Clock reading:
6,50,21
